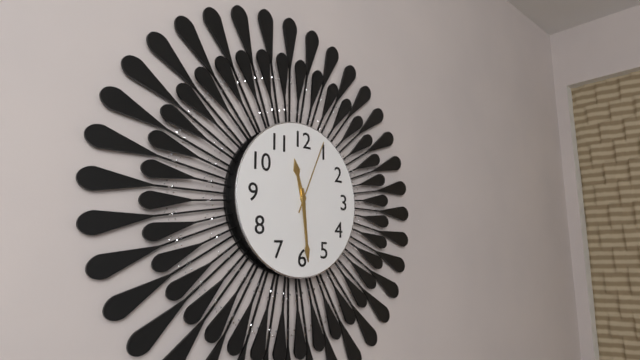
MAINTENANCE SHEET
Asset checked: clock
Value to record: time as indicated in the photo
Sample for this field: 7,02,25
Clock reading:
11,29,04
